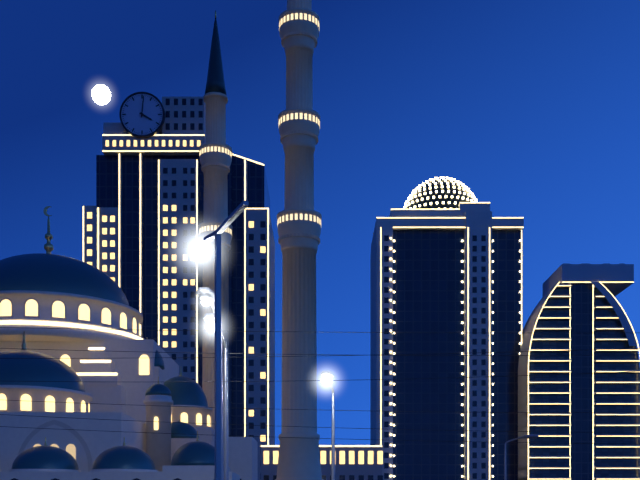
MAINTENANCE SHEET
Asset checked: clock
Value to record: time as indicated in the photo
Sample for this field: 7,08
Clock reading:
4,01
